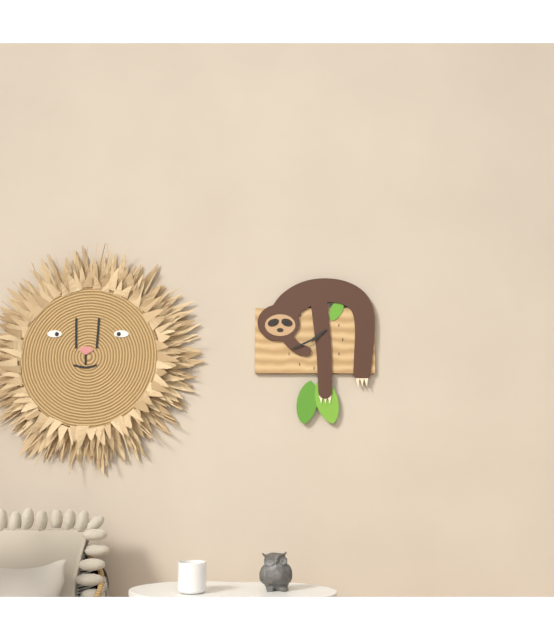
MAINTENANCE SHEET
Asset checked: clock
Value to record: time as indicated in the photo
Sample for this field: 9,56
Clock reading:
1,41
